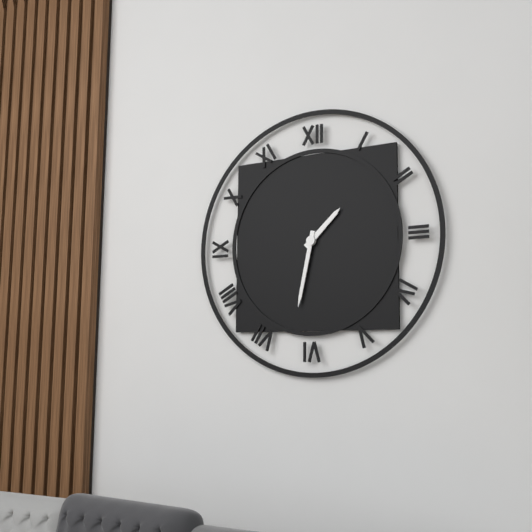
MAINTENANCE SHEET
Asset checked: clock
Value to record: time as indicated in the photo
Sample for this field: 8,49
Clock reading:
1,32
